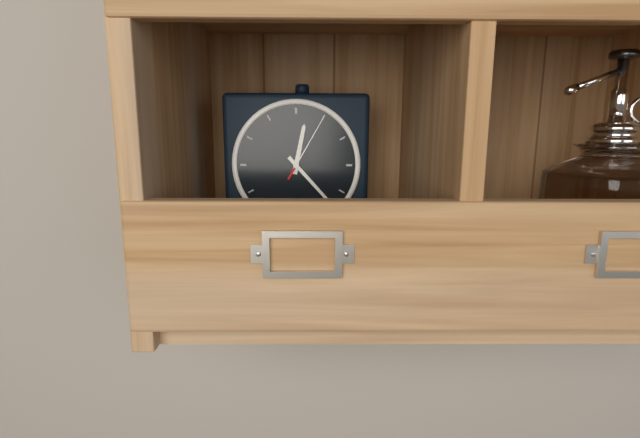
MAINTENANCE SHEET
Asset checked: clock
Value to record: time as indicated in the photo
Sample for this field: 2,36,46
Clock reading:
12,23,05
